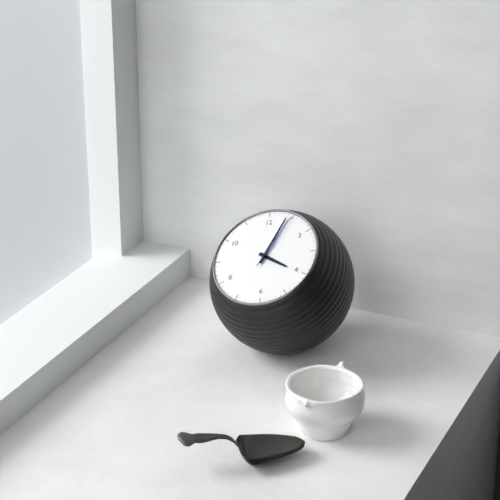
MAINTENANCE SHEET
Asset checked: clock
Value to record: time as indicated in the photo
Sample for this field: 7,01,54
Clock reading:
4,04,05
